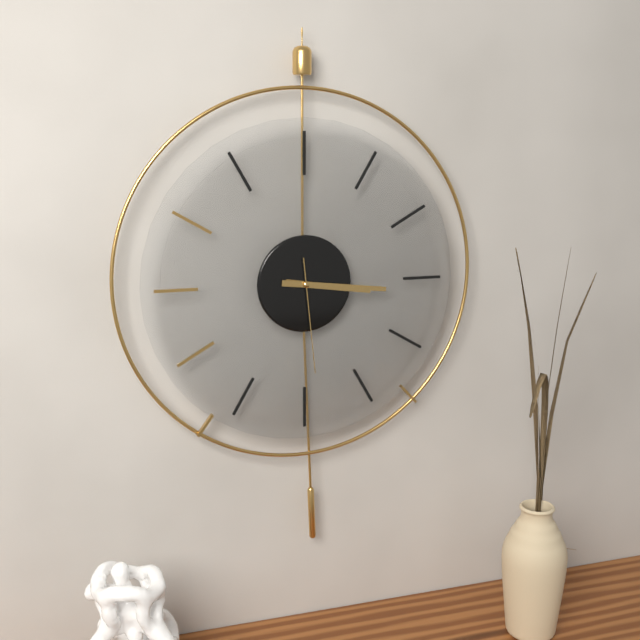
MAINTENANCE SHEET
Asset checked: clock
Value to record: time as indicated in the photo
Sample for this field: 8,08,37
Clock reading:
3,16,29
